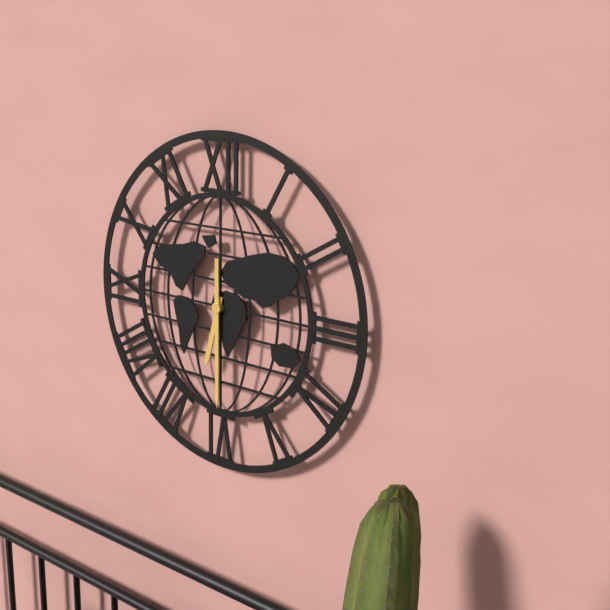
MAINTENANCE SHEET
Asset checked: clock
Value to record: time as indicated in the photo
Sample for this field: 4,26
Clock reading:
6,30
